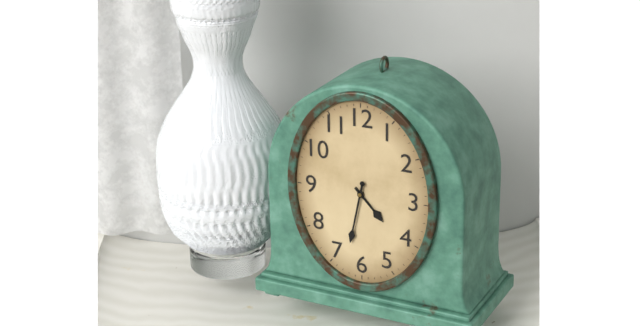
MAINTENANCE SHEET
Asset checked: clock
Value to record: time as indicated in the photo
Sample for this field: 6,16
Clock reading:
4,32
